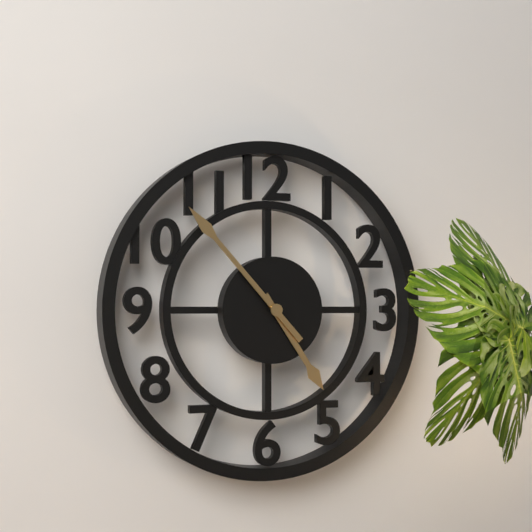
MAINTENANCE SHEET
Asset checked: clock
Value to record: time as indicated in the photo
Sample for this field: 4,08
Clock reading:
4,53
